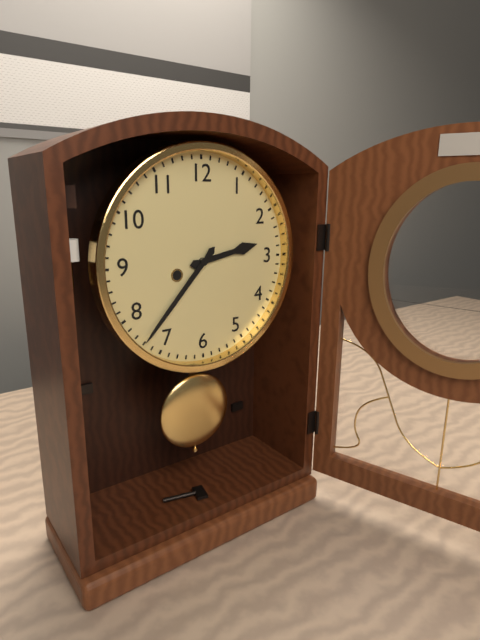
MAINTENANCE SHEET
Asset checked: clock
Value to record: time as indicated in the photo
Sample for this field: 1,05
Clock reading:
2,37
